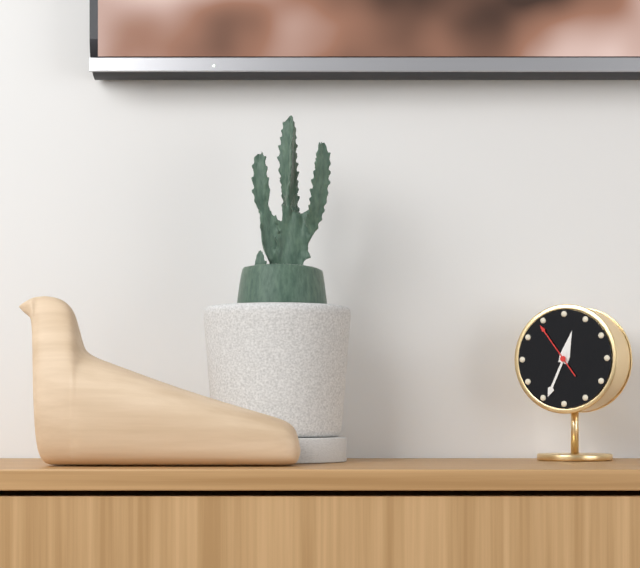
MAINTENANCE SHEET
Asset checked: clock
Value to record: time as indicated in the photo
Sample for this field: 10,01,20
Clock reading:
12,34,54
